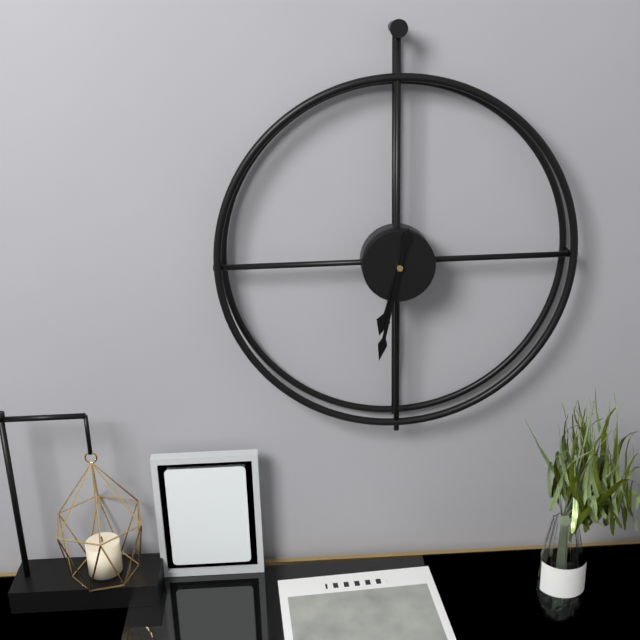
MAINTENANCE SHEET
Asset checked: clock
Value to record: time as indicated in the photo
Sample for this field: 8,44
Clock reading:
6,32
